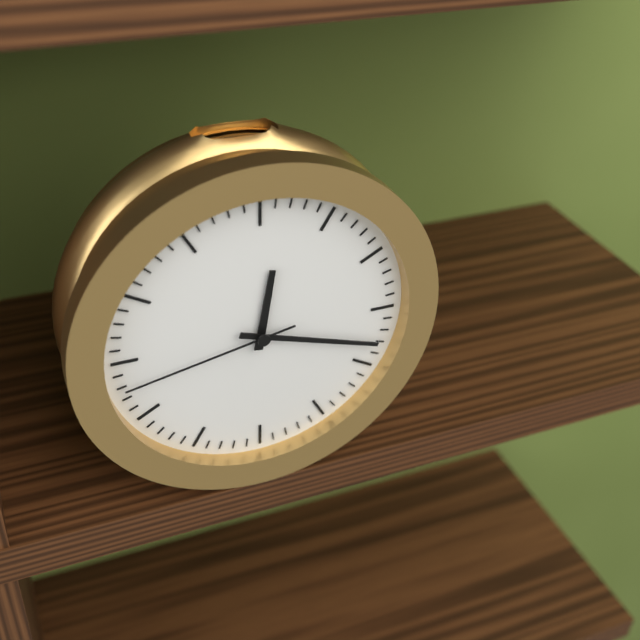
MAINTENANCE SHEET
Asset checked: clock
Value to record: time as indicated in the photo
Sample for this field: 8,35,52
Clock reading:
12,18,43
